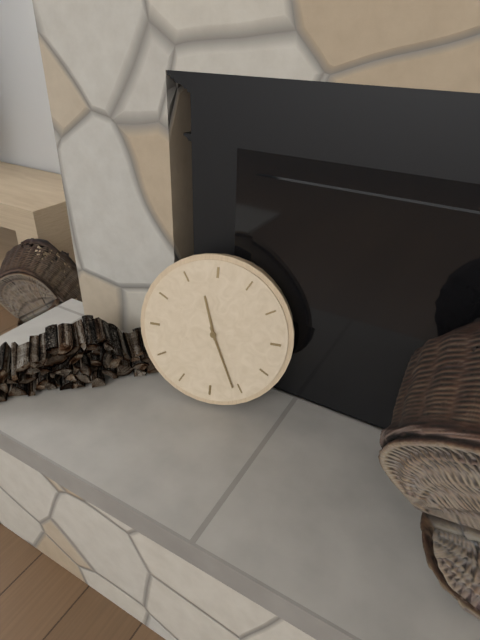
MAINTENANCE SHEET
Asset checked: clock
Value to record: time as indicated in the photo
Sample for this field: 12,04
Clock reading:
11,26
